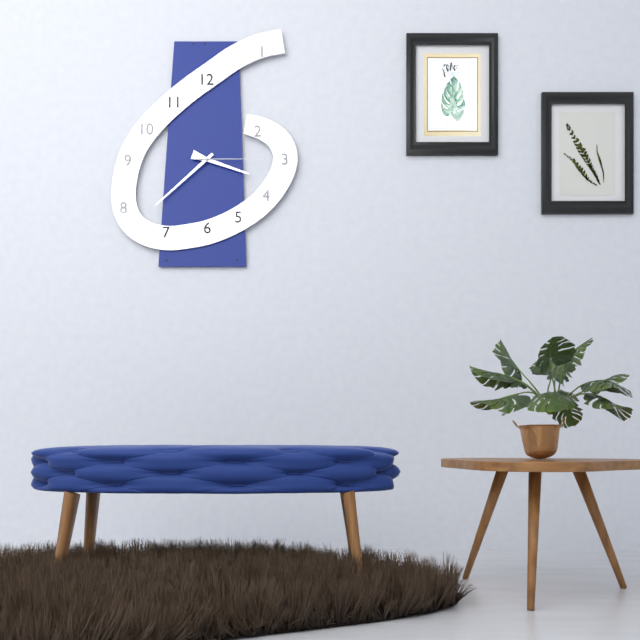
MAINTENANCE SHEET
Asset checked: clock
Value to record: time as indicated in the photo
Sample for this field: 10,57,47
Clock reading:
3,38,15
